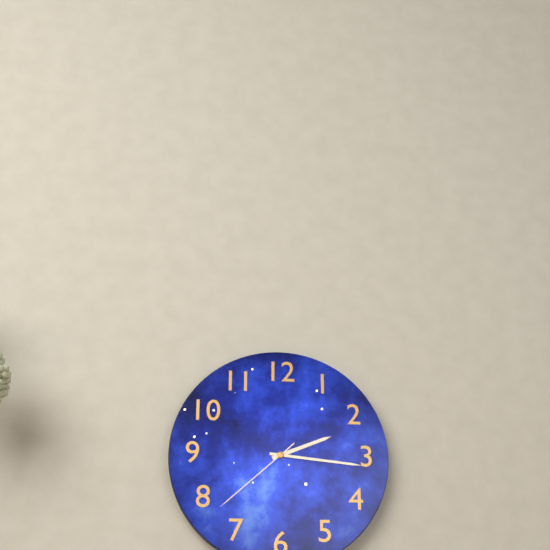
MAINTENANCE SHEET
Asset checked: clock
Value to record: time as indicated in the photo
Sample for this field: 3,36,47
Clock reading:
2,16,38
